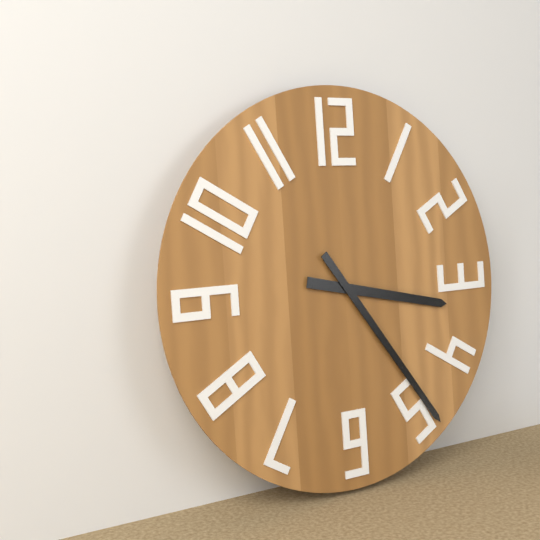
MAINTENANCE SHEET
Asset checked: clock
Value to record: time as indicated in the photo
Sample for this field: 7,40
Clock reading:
3,24
